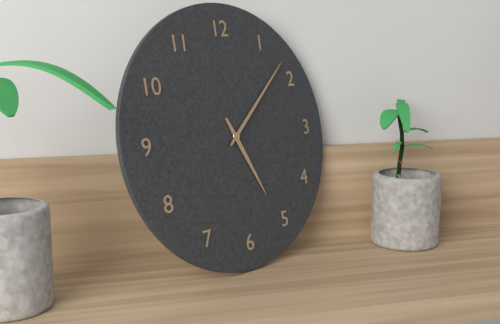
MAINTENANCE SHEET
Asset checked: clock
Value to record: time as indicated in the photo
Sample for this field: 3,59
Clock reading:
5,08
